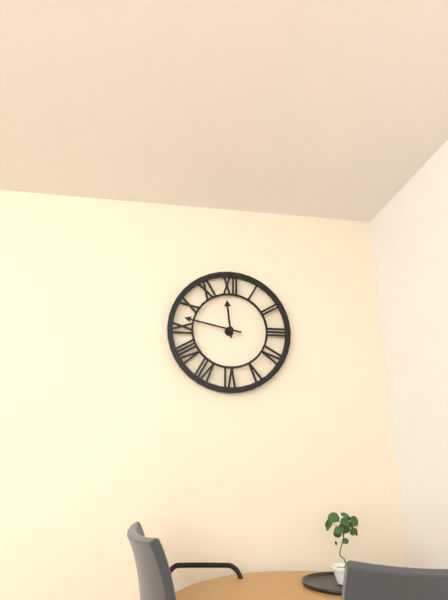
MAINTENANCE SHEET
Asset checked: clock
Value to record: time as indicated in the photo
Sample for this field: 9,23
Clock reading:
11,47
